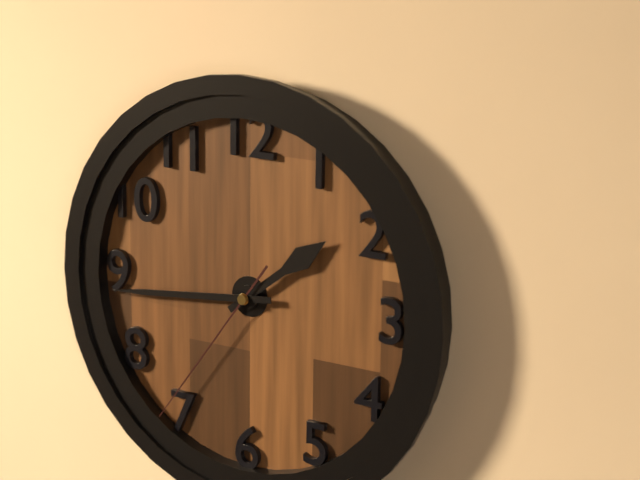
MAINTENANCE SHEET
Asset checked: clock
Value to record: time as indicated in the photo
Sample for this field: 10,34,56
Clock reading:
1,44,36
